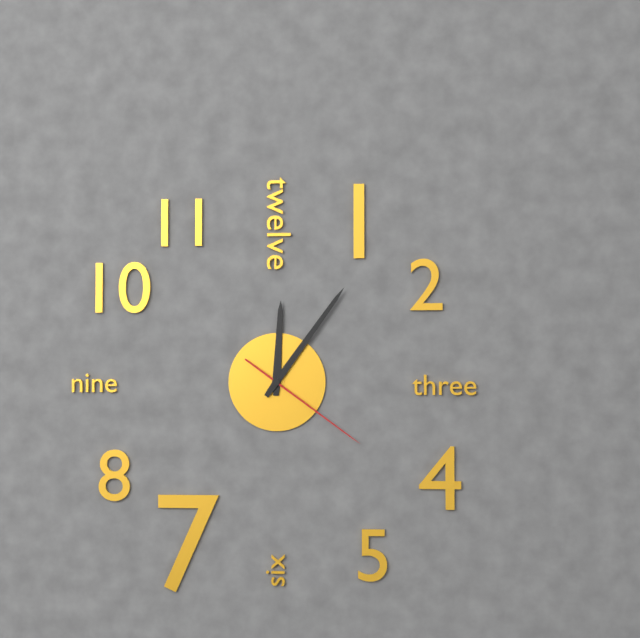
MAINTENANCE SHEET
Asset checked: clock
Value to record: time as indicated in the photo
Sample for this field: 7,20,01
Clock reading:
12,06,21
